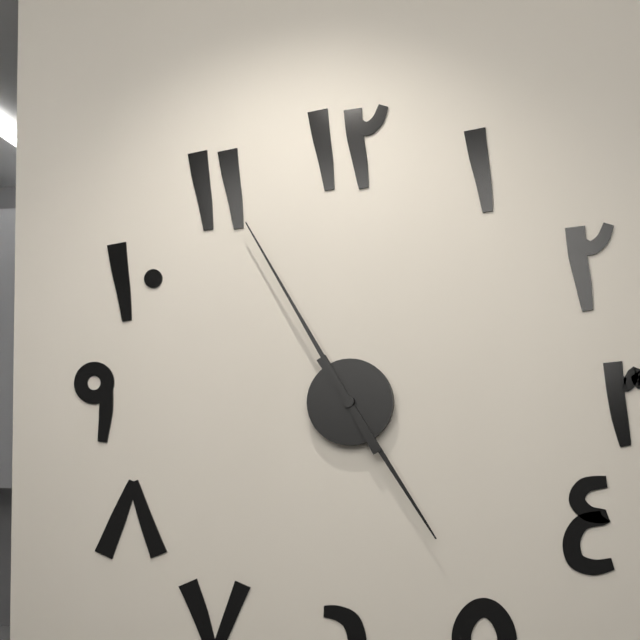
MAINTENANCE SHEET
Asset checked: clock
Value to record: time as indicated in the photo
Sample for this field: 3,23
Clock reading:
4,55
